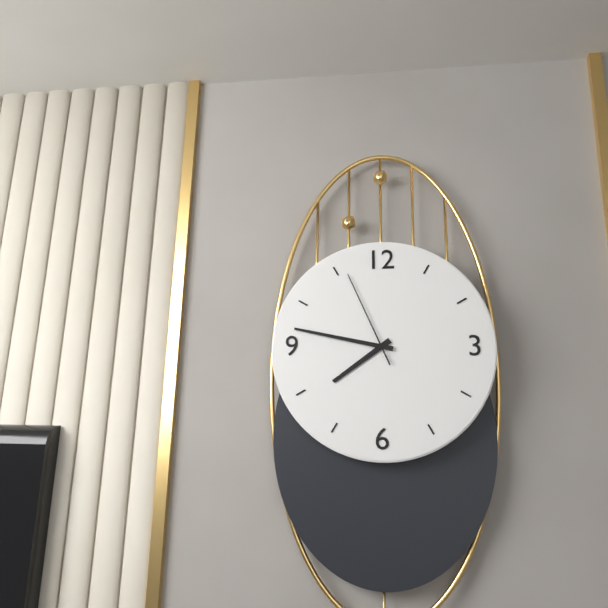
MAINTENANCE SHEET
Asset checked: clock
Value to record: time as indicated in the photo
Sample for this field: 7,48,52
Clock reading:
7,47,56
